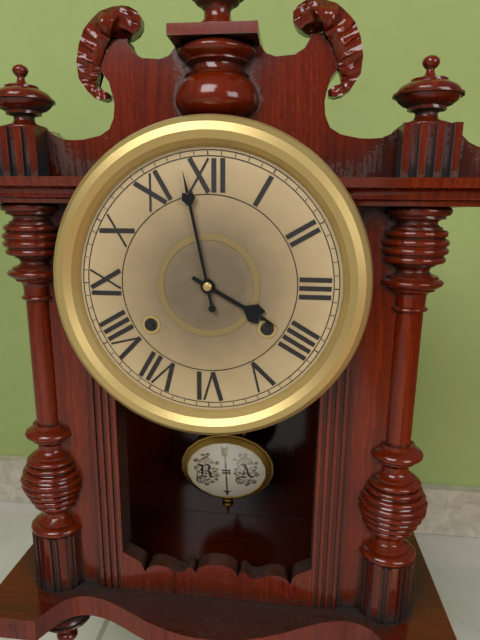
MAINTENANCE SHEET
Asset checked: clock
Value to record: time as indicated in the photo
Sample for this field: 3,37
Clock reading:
3,58
